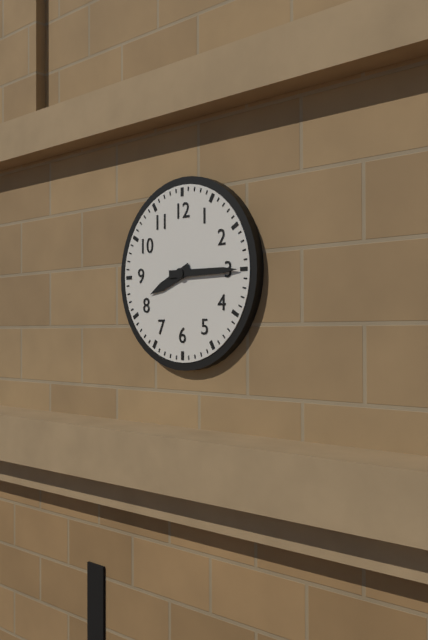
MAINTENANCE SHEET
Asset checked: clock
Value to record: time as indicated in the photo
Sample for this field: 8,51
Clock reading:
8,15
